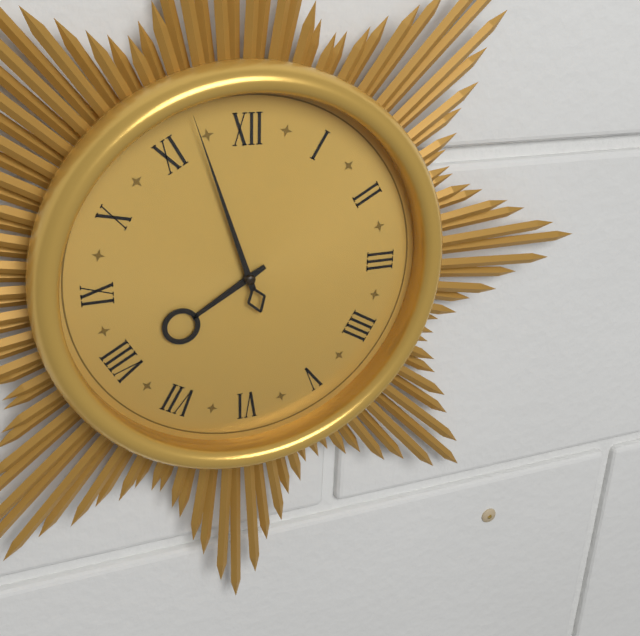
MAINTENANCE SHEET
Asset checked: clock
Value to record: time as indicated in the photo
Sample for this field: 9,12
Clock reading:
7,57
